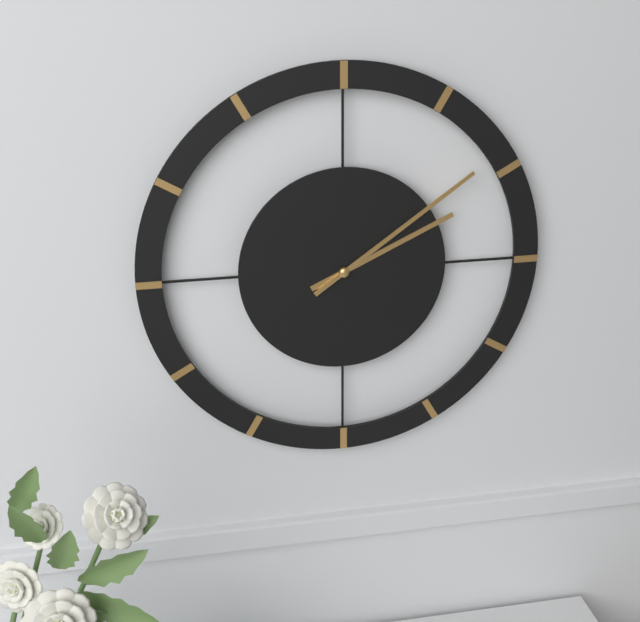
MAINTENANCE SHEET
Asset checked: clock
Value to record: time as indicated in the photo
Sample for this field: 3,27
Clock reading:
2,09
